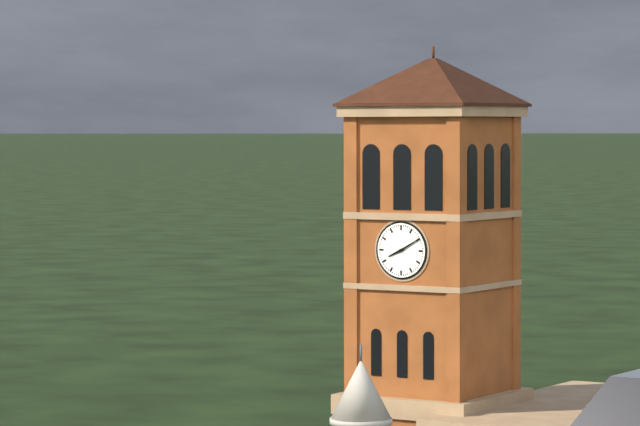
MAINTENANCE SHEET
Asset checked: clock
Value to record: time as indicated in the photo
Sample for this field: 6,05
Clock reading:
8,10
